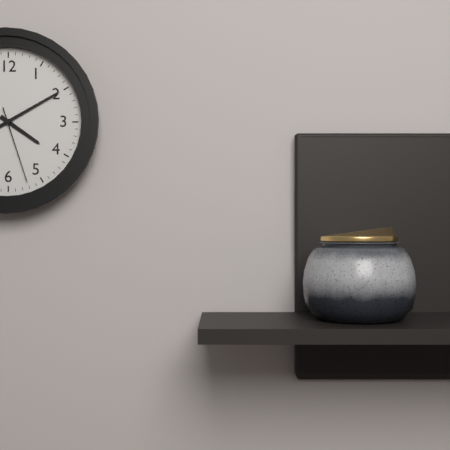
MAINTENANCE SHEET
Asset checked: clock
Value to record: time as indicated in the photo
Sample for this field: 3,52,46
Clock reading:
4,10,27
